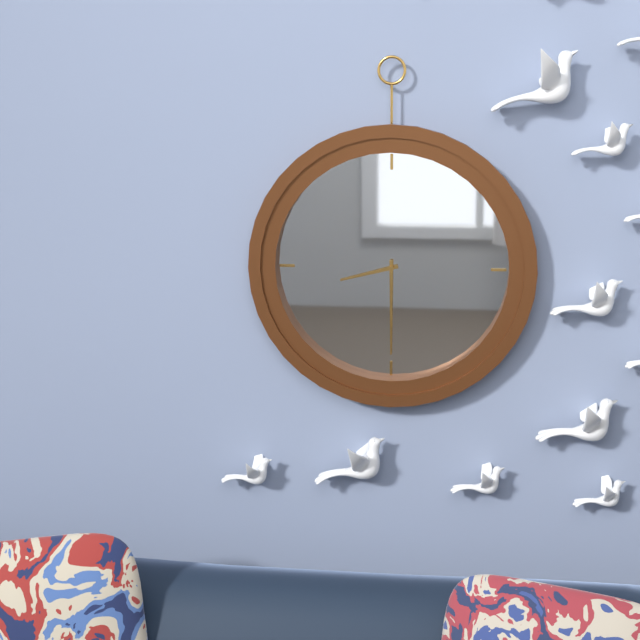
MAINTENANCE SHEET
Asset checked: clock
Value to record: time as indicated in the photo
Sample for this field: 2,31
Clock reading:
8,30
